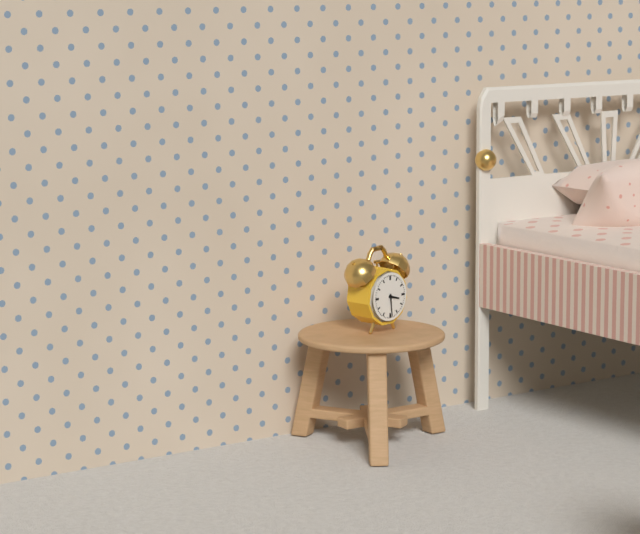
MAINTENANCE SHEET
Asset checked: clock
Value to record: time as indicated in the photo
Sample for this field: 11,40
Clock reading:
3,29
